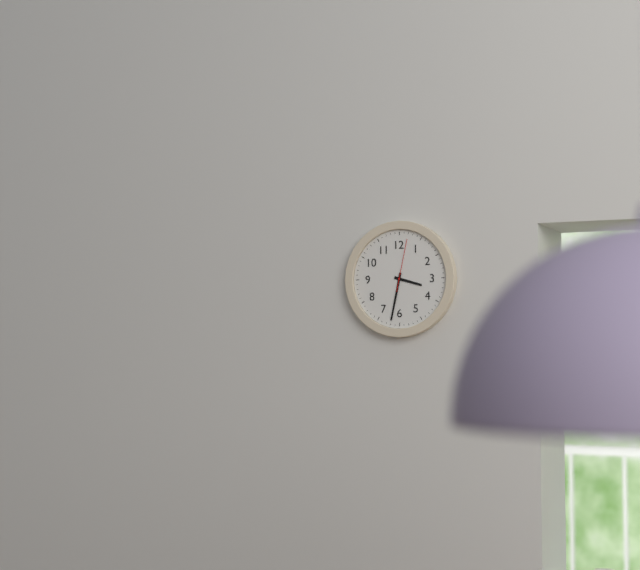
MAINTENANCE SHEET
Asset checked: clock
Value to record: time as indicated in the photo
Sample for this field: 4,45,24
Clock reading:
3,32,02
